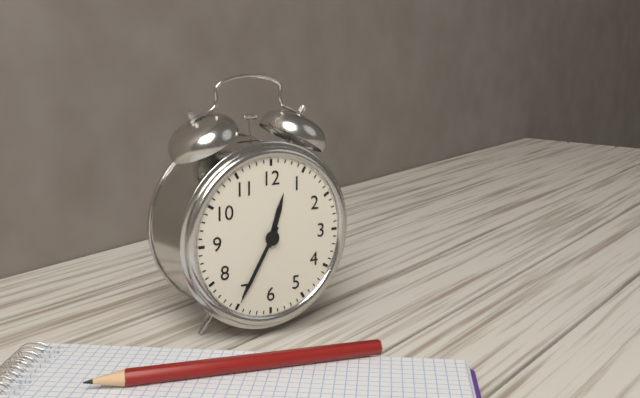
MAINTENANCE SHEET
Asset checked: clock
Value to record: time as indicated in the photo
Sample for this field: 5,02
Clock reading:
12,35
